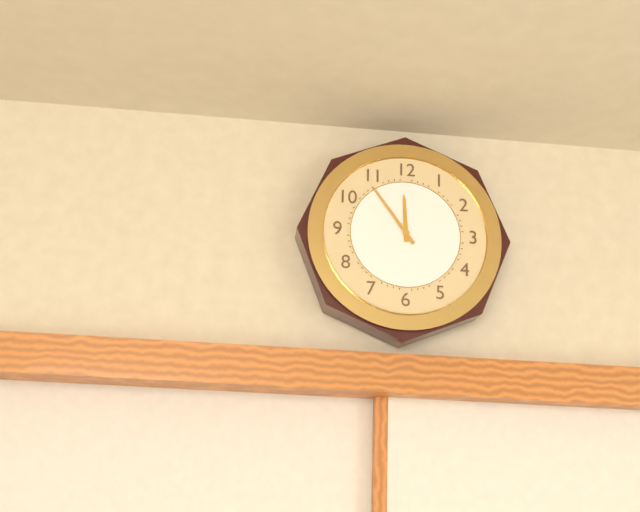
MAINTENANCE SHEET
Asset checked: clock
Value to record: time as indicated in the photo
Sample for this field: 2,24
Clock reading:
11,54
